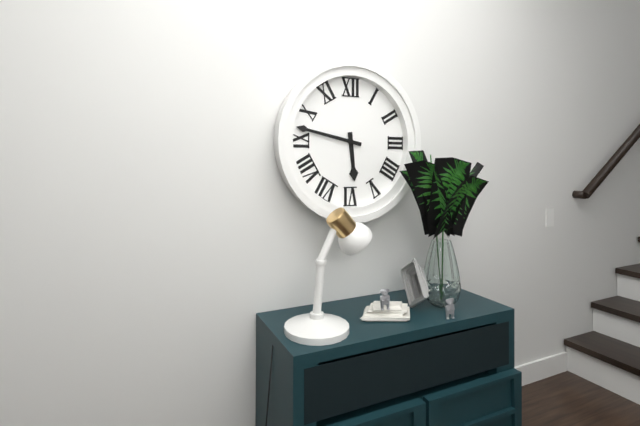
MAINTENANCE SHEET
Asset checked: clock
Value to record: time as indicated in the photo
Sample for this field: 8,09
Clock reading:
5,47
